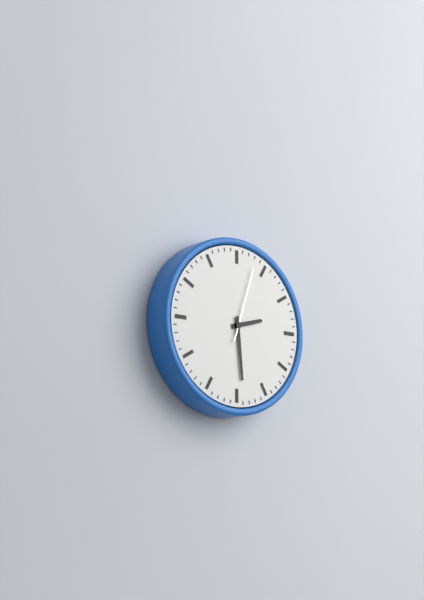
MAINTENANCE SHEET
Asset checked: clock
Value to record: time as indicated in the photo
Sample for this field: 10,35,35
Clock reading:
2,29,03
